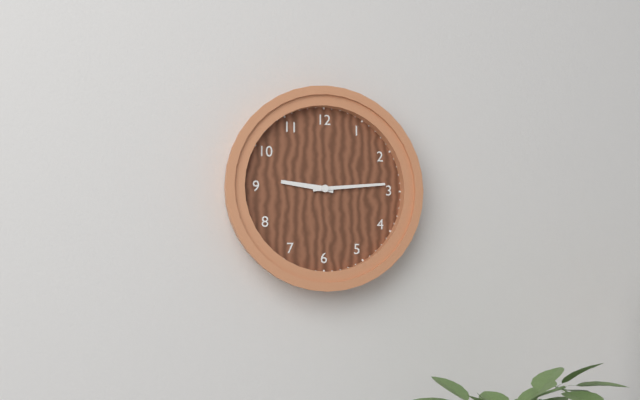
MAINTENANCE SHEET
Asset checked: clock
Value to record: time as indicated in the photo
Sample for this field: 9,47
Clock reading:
9,14
